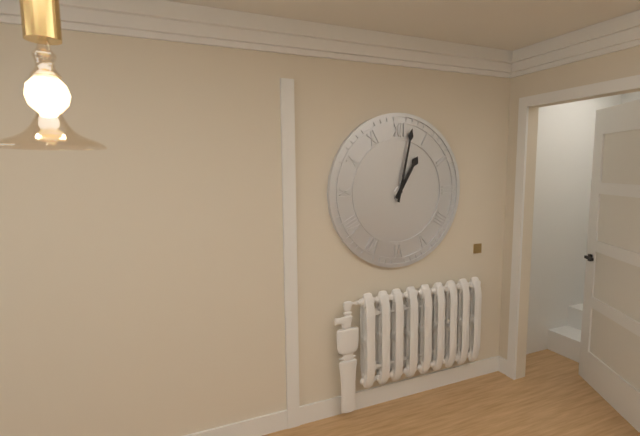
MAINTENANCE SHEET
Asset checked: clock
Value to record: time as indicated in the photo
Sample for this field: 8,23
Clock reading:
1,02
